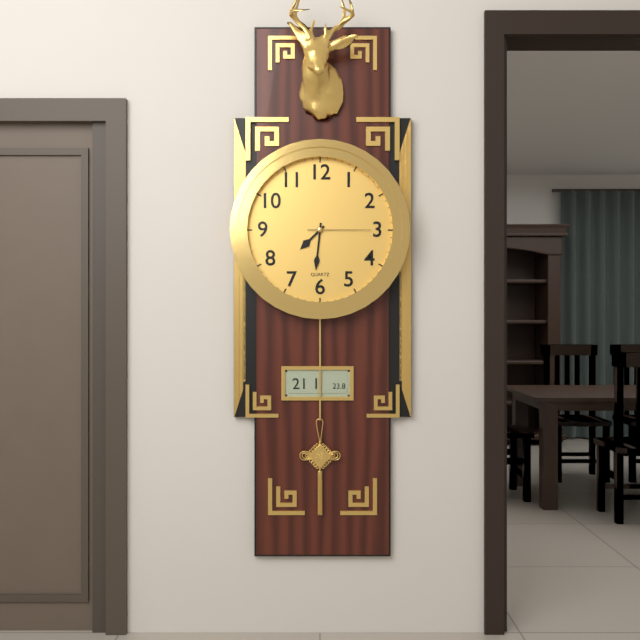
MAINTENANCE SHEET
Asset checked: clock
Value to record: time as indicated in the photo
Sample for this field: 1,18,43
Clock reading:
7,31,15
